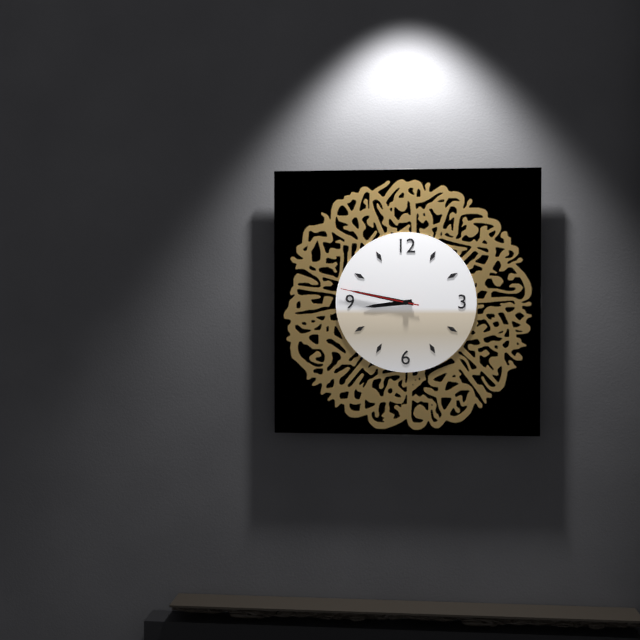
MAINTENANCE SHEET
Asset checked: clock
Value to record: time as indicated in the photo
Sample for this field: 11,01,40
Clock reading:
8,47,47
